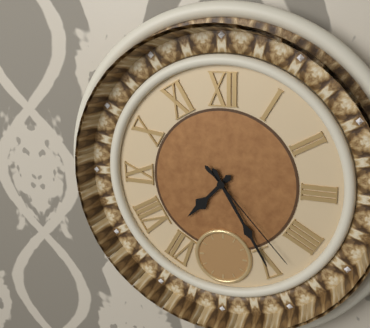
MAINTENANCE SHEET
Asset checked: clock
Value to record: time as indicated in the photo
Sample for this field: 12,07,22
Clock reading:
7,25,23
